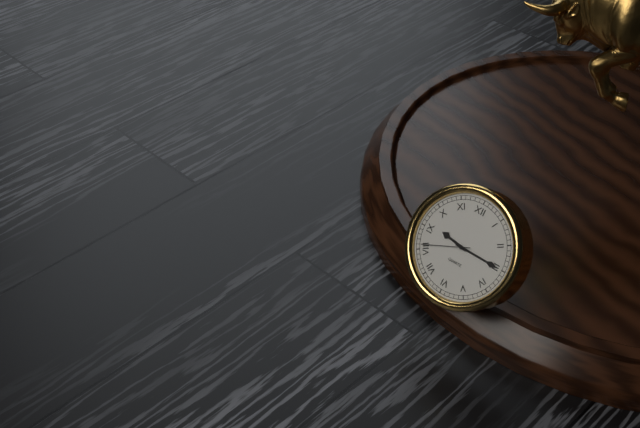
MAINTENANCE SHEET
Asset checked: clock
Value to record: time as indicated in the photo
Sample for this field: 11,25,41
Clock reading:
9,15,41
